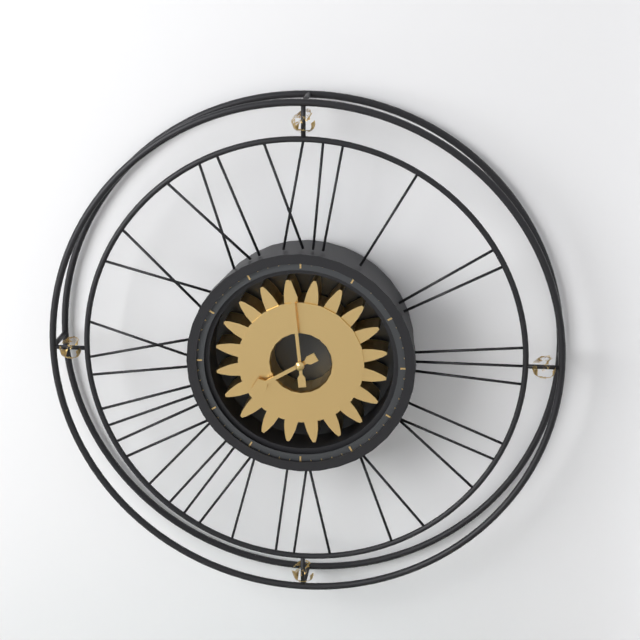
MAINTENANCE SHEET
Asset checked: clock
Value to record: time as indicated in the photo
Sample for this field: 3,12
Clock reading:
7,59
